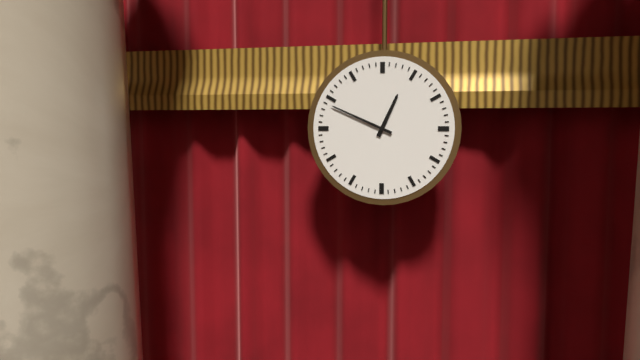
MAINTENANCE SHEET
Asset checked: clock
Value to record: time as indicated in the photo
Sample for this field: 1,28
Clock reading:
12,49
